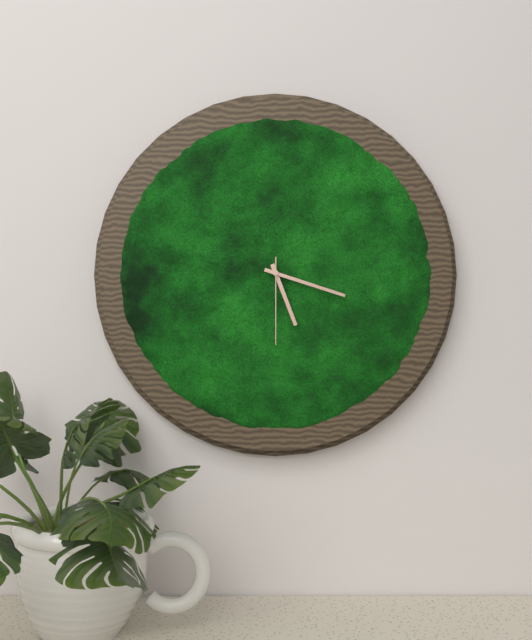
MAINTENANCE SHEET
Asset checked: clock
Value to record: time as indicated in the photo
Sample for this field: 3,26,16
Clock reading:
5,18,30
